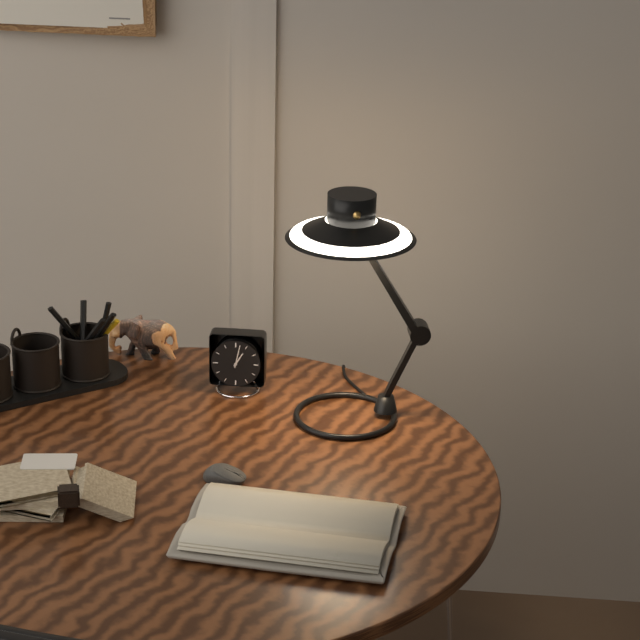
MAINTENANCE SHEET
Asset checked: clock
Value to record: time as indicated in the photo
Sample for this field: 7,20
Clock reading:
1,02
